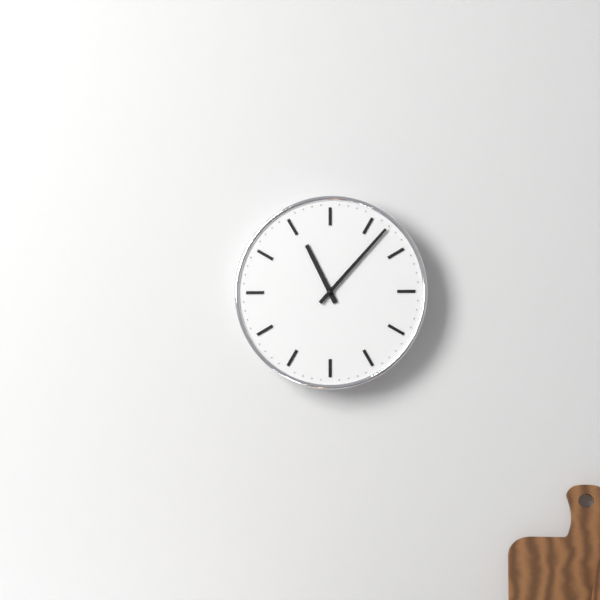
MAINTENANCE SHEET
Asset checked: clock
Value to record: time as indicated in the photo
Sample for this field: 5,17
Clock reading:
11,07
